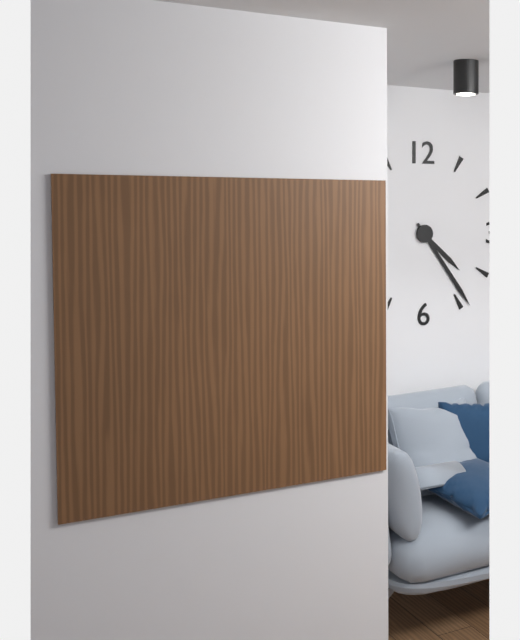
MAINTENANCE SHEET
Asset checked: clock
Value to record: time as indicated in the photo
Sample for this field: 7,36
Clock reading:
4,24
